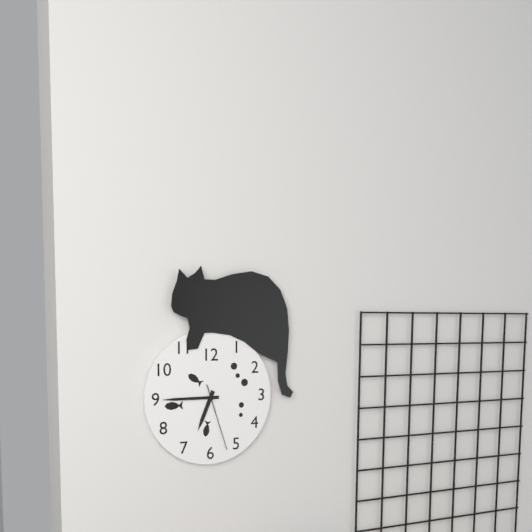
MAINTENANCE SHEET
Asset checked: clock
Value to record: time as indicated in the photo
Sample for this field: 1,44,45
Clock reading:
6,45,27
